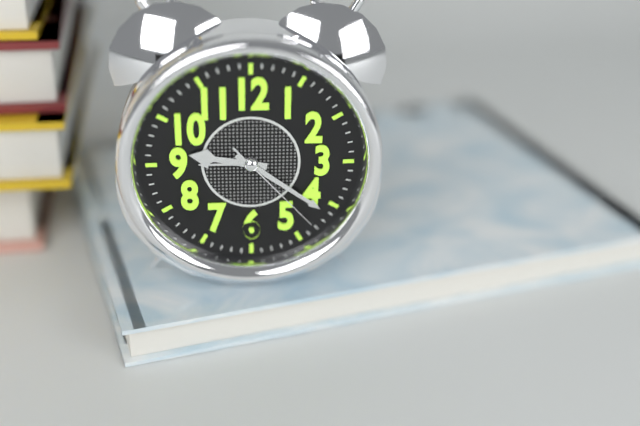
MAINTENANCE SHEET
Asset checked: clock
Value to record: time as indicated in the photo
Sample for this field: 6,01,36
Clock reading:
9,21,23
